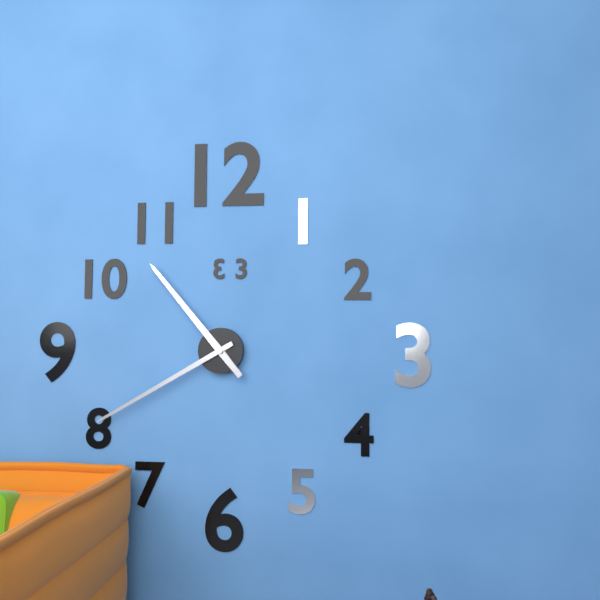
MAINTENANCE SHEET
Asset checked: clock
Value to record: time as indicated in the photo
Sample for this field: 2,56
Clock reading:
10,40
